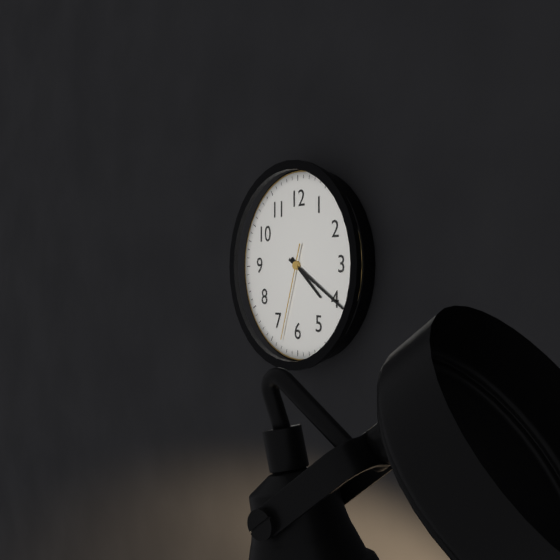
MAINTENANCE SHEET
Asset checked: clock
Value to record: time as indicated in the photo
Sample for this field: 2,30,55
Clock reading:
4,20,33
